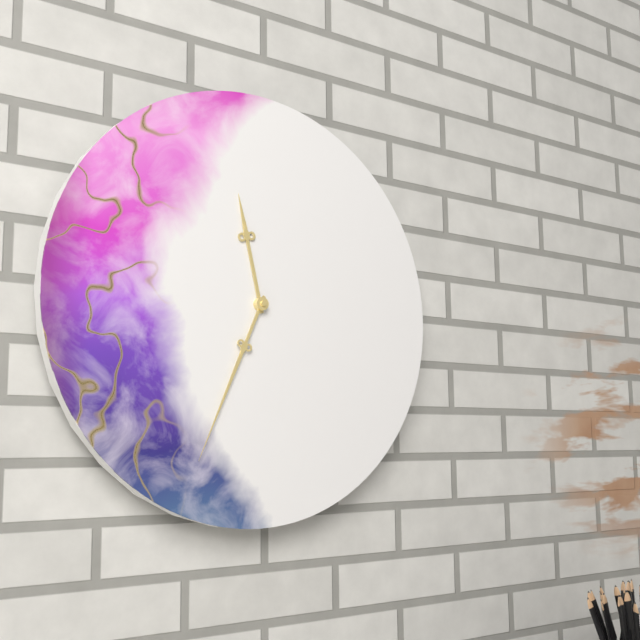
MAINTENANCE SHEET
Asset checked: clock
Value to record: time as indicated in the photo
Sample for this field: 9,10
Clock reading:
11,34
